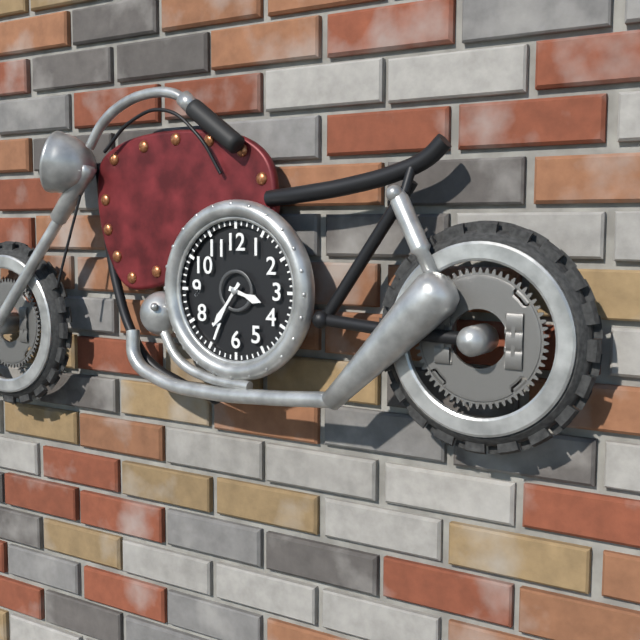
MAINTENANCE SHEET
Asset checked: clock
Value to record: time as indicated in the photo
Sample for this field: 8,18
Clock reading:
3,36
